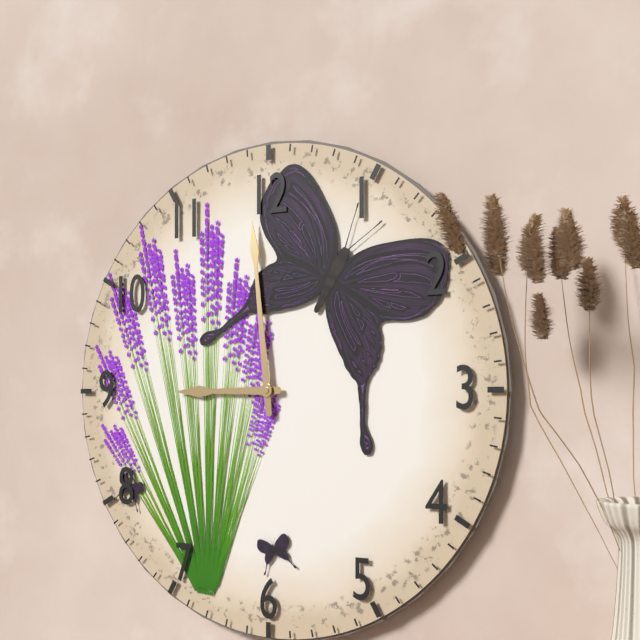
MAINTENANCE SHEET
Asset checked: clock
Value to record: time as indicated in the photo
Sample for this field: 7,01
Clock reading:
8,59
